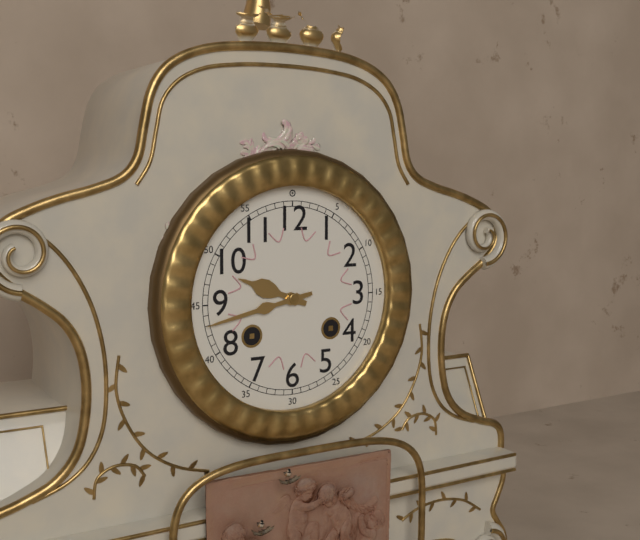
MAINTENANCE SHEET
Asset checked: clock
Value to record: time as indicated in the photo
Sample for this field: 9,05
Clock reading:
9,43
